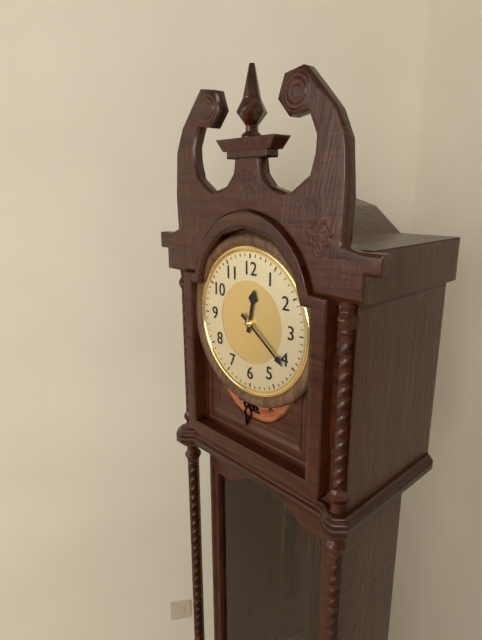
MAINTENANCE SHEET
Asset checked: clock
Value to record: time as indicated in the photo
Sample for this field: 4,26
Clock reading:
12,21
